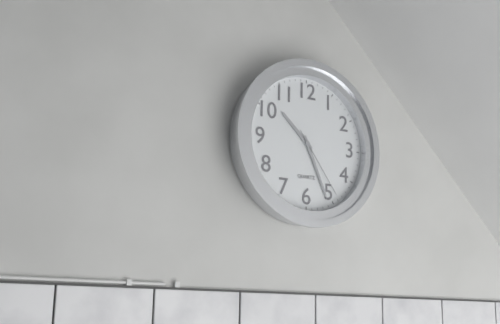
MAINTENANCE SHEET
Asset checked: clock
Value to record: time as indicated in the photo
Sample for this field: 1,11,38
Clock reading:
10,26,24
